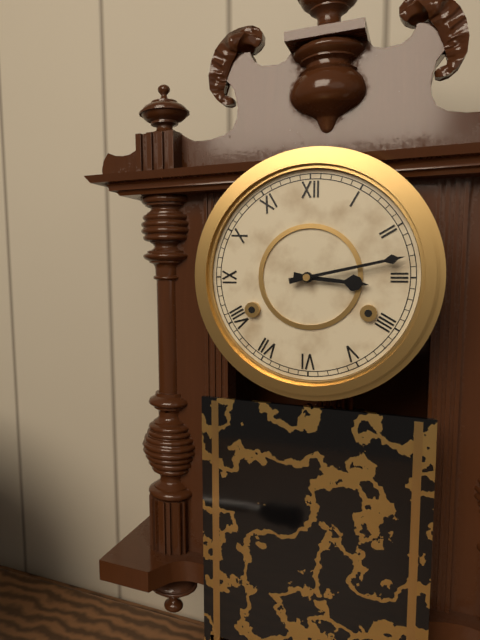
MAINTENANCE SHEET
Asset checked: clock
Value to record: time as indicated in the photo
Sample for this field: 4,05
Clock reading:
3,13
